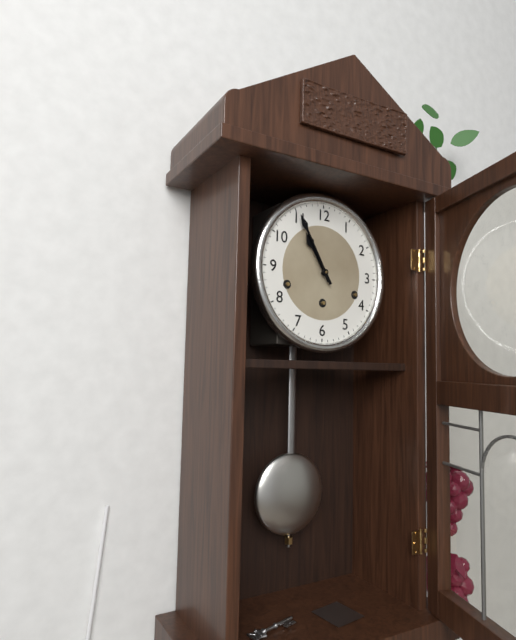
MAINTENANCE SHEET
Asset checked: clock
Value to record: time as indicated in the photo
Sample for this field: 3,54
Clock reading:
10,55
